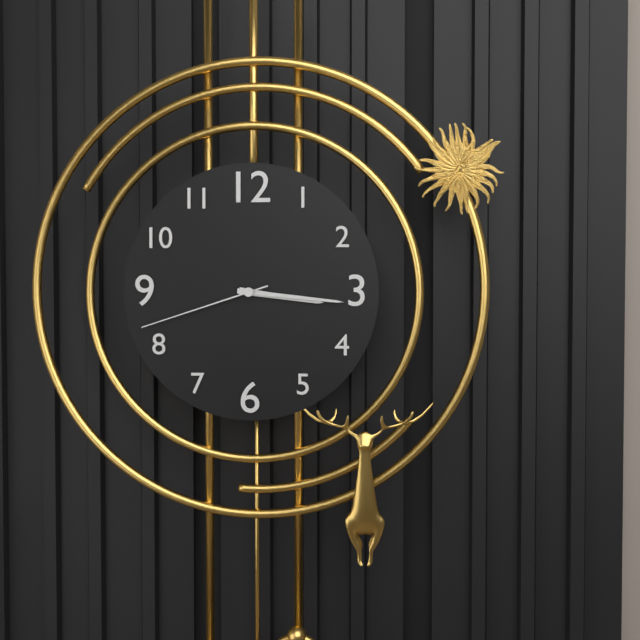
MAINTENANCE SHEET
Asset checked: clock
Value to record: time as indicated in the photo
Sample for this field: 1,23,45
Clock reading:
3,16,42
